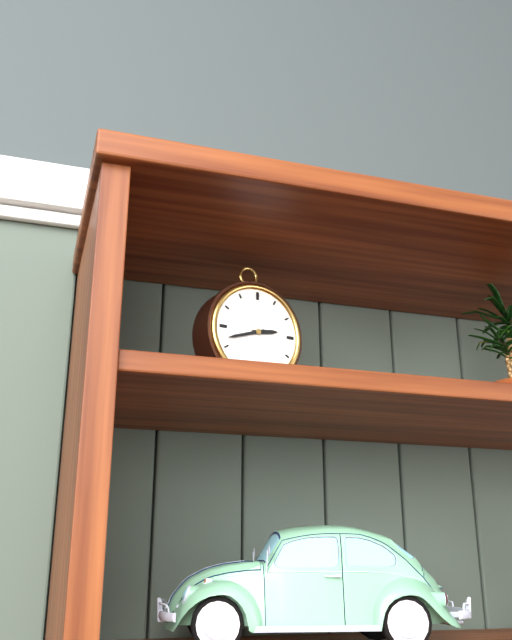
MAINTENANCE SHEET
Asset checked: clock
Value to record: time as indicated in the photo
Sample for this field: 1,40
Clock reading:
2,42
